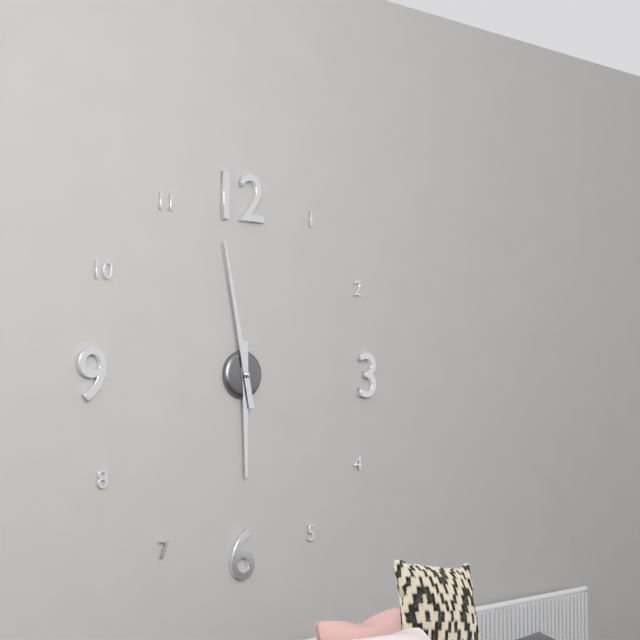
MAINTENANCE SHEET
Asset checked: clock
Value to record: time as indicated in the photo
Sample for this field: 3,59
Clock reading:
5,58
